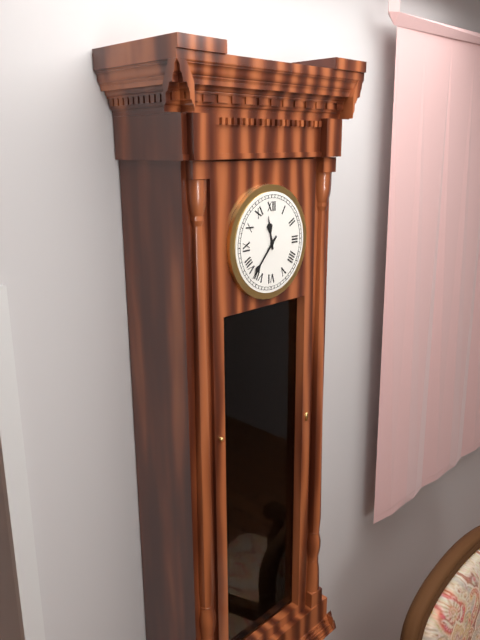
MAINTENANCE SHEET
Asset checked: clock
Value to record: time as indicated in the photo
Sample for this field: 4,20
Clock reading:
11,37
